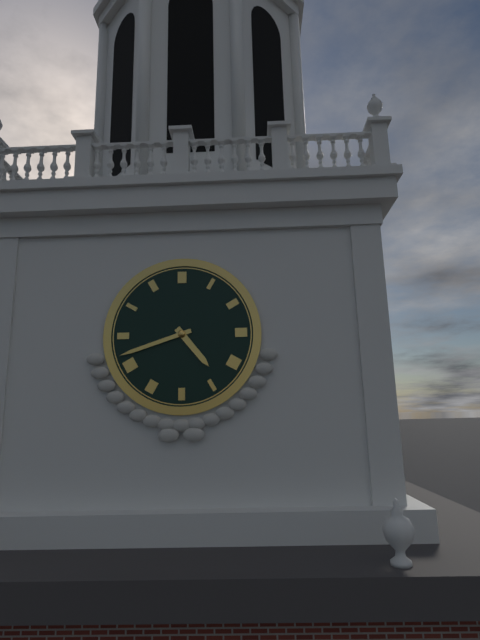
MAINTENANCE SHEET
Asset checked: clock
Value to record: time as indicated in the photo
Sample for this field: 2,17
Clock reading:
4,42
